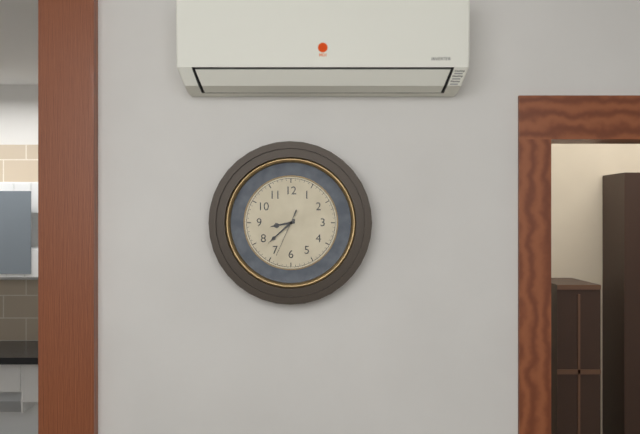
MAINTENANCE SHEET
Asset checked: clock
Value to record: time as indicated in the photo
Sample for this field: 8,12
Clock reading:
8,38
